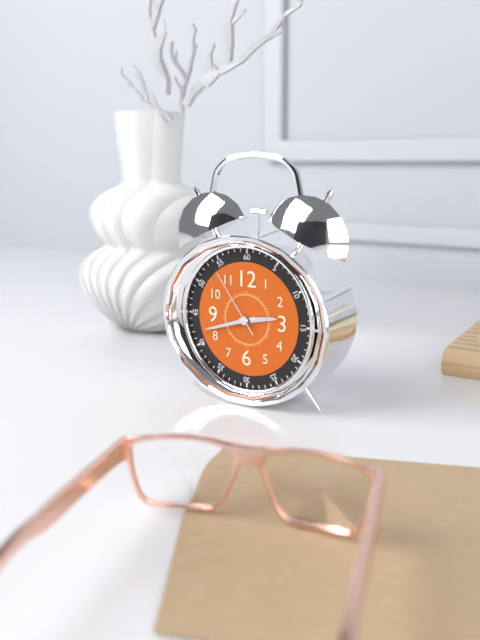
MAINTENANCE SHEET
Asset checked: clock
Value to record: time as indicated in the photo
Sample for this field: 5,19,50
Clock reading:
2,42,54
